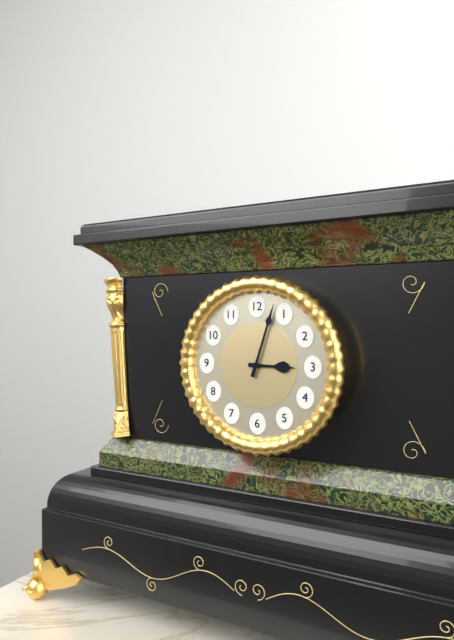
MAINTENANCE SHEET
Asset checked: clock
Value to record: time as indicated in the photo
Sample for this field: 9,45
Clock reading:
3,03
